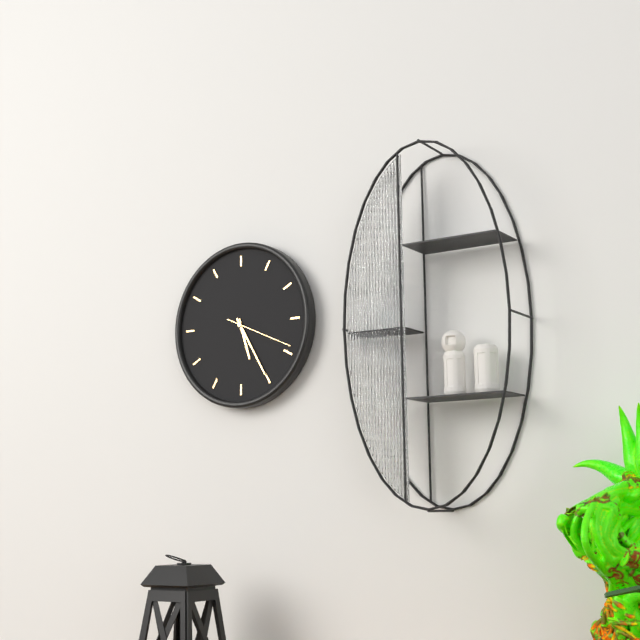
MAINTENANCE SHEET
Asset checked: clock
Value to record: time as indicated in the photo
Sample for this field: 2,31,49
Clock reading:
5,25,19
